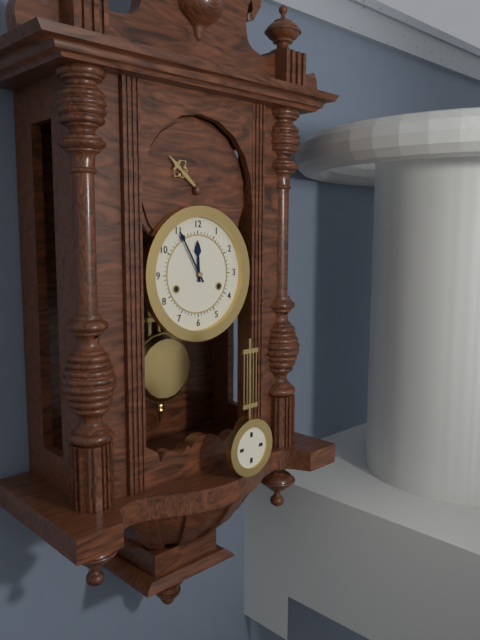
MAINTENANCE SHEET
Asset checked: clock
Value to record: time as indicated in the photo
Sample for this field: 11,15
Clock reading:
11,55
